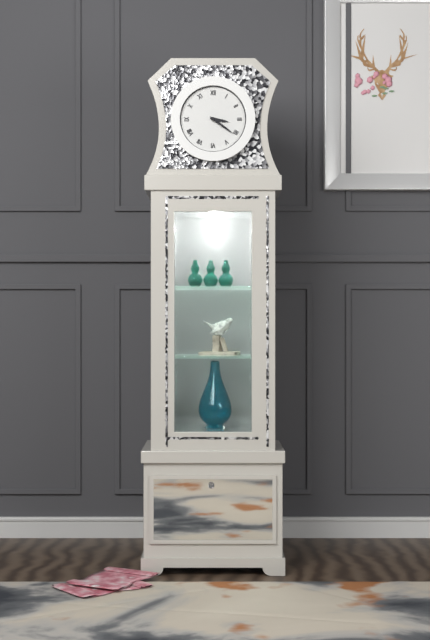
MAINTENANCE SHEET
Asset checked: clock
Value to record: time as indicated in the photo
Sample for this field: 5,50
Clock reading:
3,21
